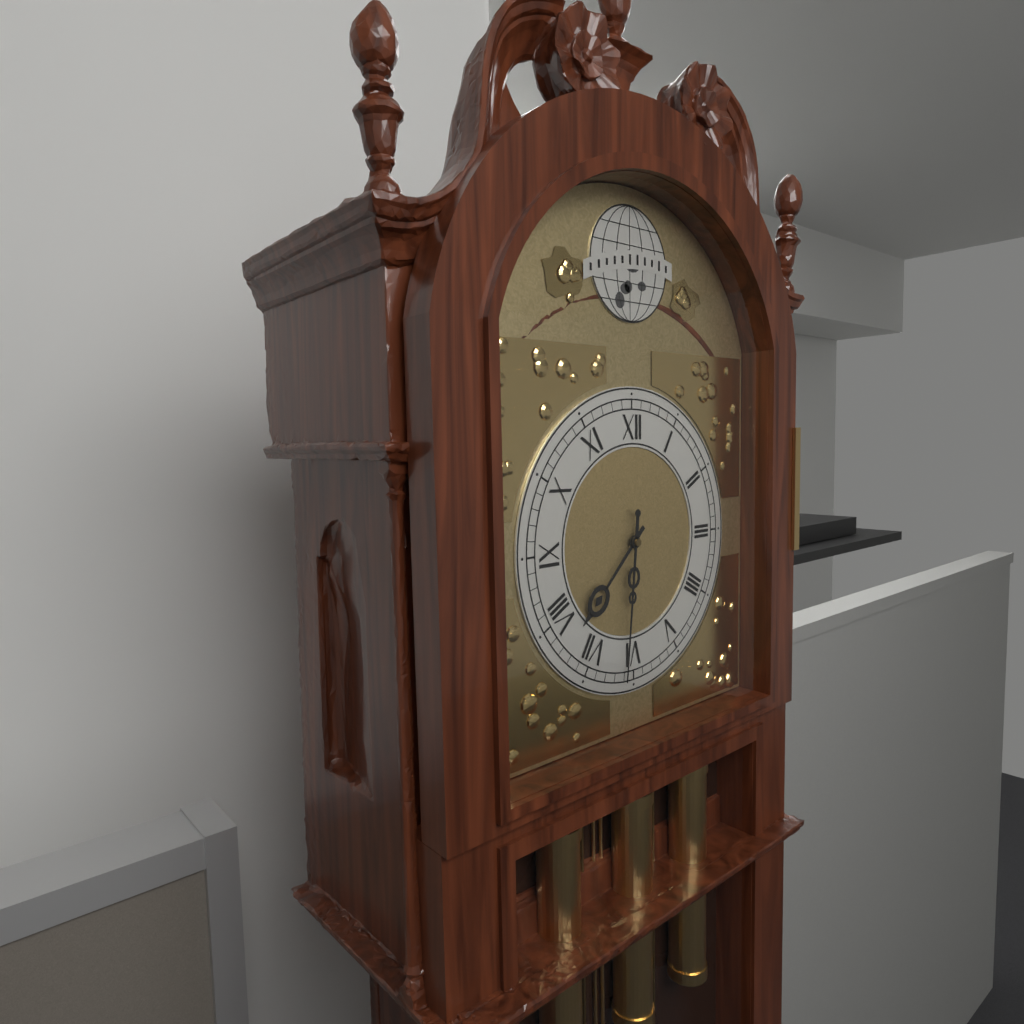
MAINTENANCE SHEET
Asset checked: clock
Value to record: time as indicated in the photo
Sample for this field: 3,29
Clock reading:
7,31
